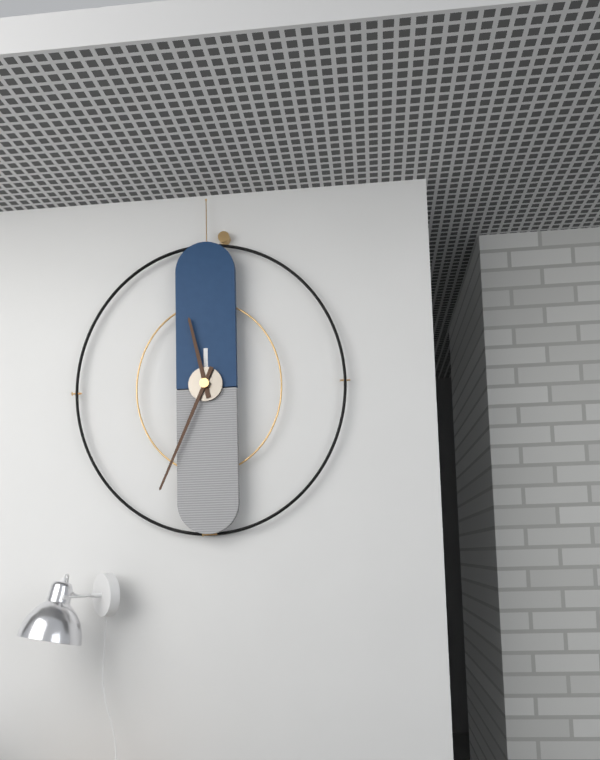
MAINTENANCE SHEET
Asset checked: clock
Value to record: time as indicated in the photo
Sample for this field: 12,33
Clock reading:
11,34
